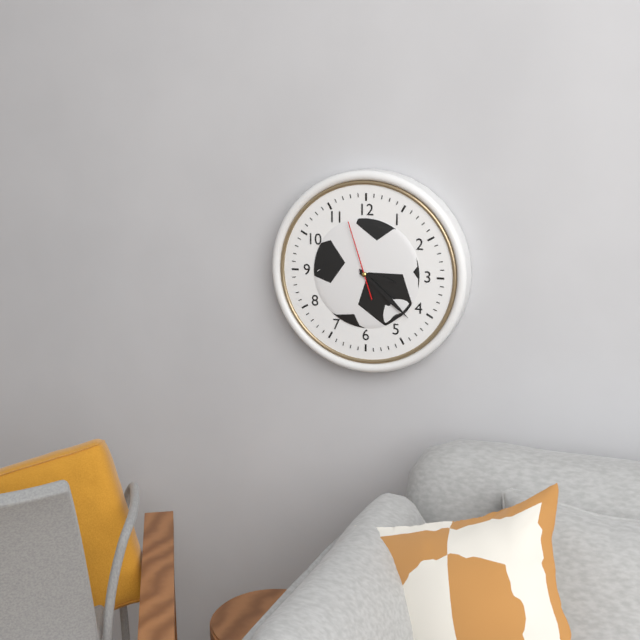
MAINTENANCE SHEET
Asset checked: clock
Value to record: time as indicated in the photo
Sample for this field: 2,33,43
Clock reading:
3,22,57
